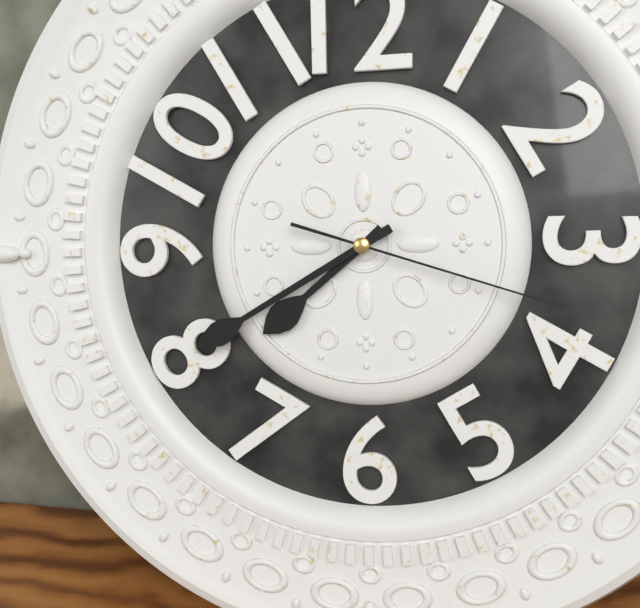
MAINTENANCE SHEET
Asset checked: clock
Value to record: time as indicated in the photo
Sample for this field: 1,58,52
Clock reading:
7,40,18
